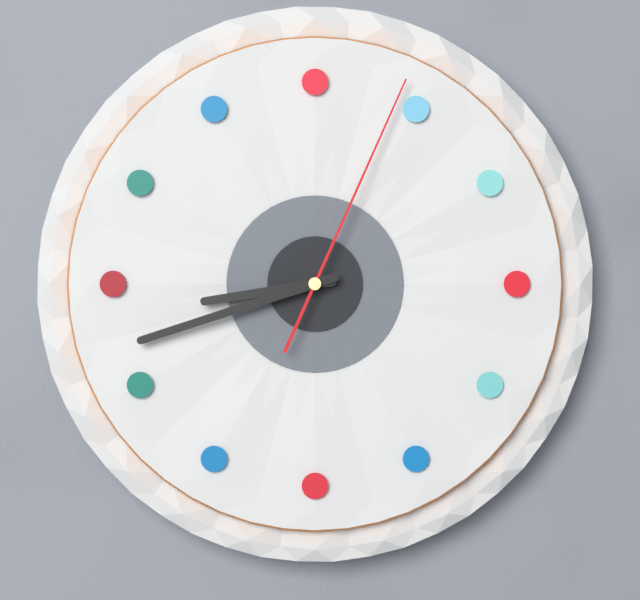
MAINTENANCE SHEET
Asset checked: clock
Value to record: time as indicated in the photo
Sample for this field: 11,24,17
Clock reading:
8,42,04
